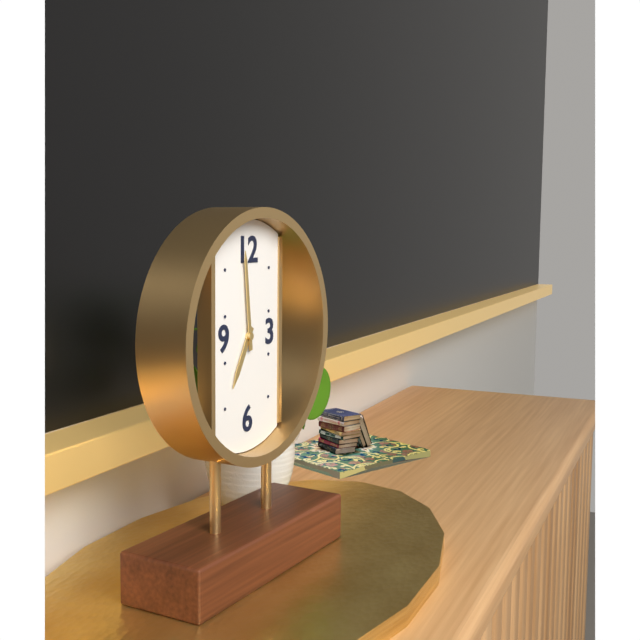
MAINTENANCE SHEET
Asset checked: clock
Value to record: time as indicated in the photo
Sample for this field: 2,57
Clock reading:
6,59
